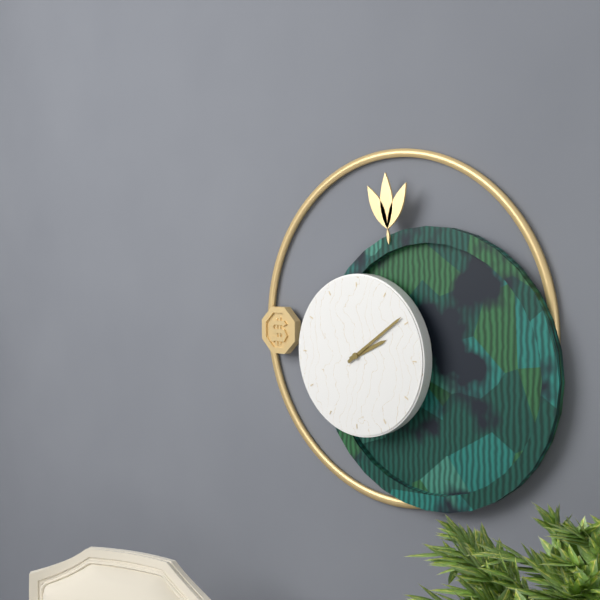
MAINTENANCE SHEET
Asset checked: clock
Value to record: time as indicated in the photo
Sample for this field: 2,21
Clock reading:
2,09
